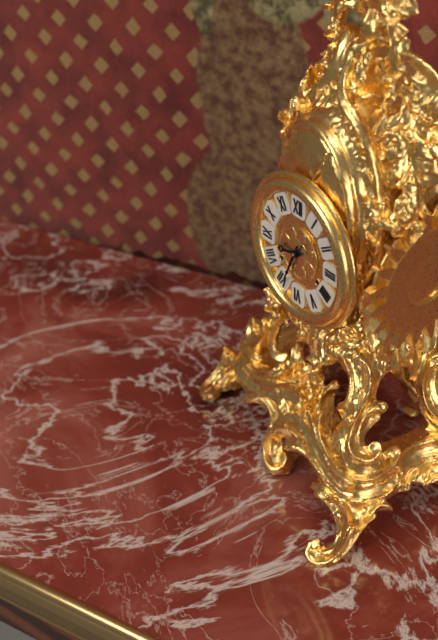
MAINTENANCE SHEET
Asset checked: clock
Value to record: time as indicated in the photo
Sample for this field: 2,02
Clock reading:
8,34
